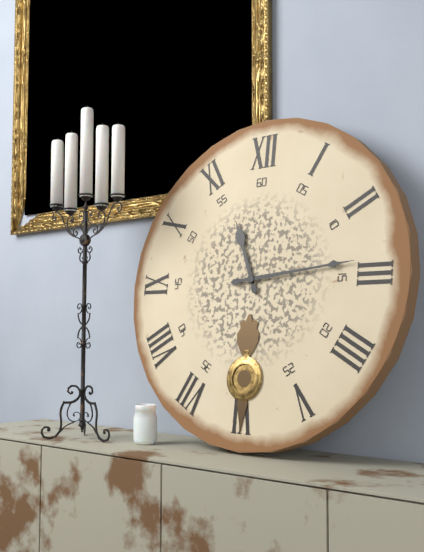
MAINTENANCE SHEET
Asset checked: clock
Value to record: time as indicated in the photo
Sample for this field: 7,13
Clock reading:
11,14
